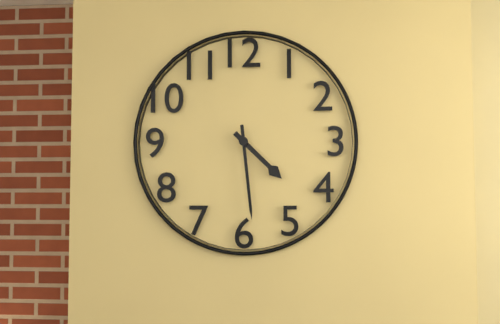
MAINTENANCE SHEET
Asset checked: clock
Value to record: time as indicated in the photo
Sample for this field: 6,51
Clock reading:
4,29
